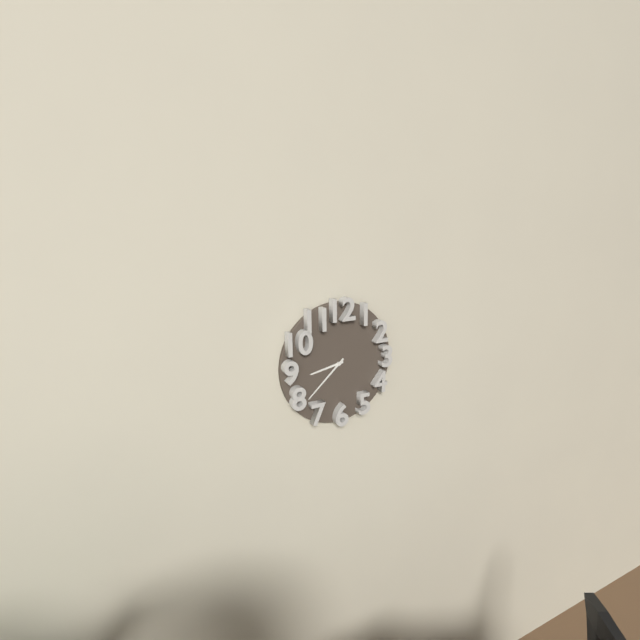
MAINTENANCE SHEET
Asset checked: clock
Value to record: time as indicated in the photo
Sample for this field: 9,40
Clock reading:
8,38
